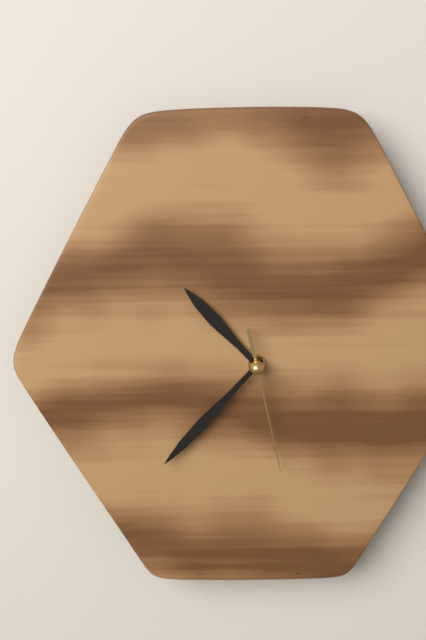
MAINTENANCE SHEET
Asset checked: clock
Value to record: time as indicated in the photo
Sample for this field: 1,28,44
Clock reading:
10,37,28
